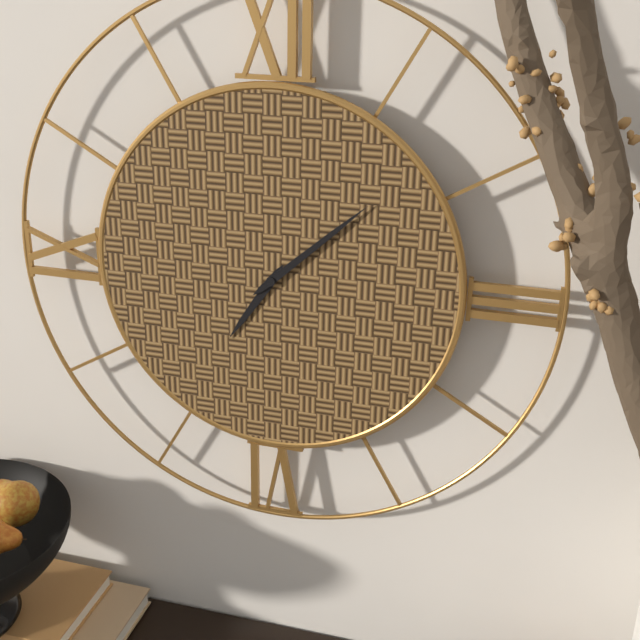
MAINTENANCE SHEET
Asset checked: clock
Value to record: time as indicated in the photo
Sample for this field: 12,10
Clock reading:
7,08
